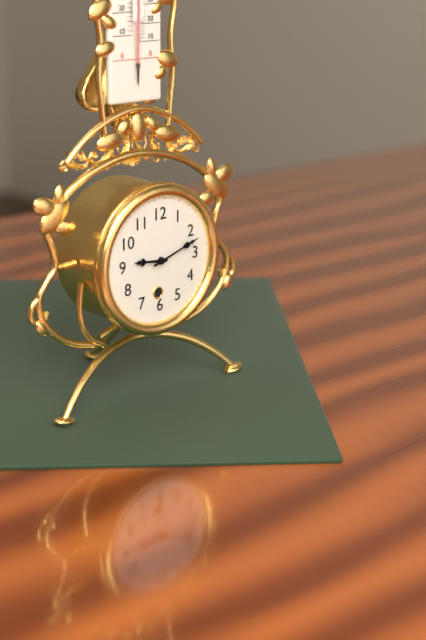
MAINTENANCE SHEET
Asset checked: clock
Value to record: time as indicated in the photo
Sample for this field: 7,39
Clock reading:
9,12
